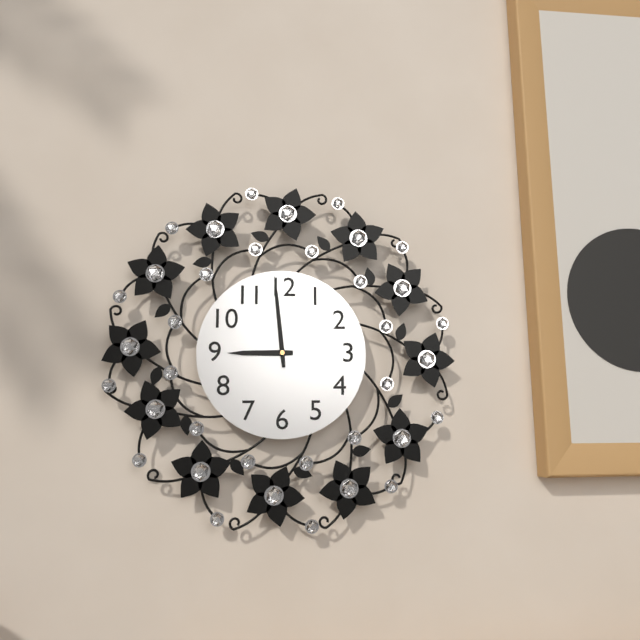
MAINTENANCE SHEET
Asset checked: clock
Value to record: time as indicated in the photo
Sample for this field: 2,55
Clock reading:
8,59
